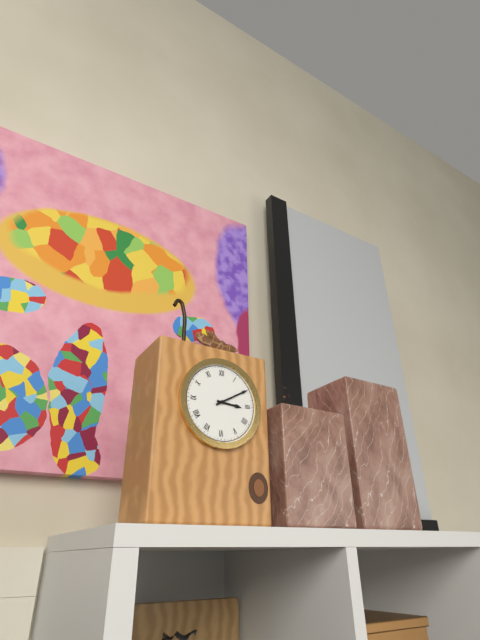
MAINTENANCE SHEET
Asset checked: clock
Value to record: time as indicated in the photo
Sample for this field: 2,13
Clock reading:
3,10
